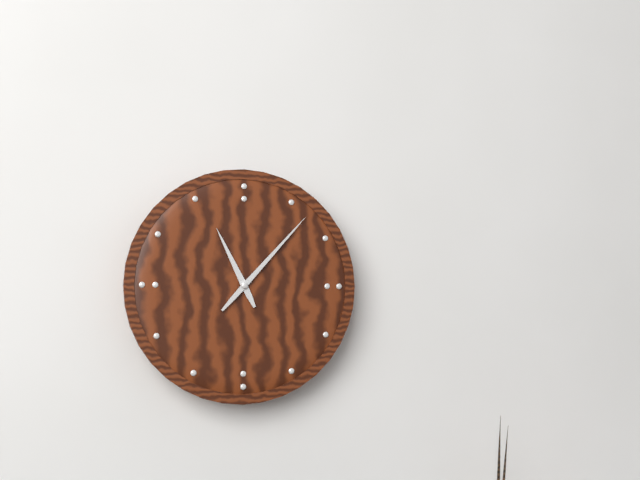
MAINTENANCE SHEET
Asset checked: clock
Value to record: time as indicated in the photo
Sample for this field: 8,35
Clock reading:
11,07
